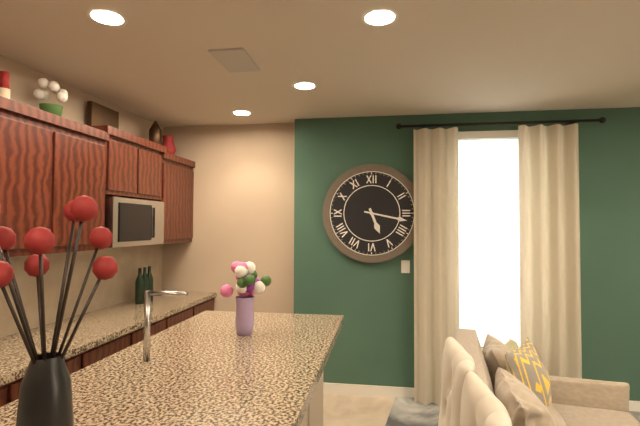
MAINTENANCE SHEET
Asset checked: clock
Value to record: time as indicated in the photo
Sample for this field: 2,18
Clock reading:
5,17
